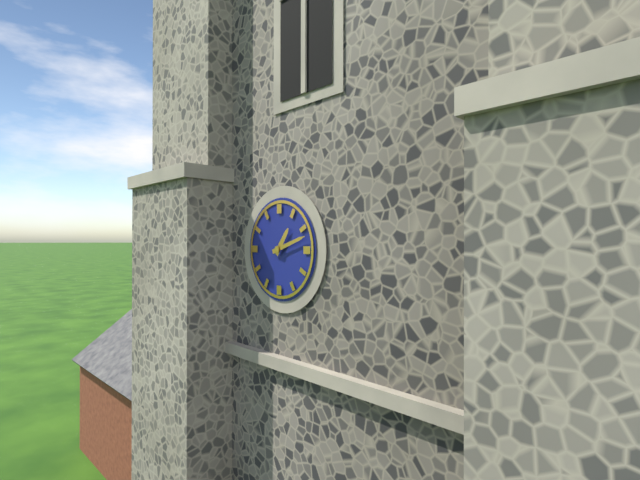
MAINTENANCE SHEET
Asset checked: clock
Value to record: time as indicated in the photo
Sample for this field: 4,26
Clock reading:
1,12
